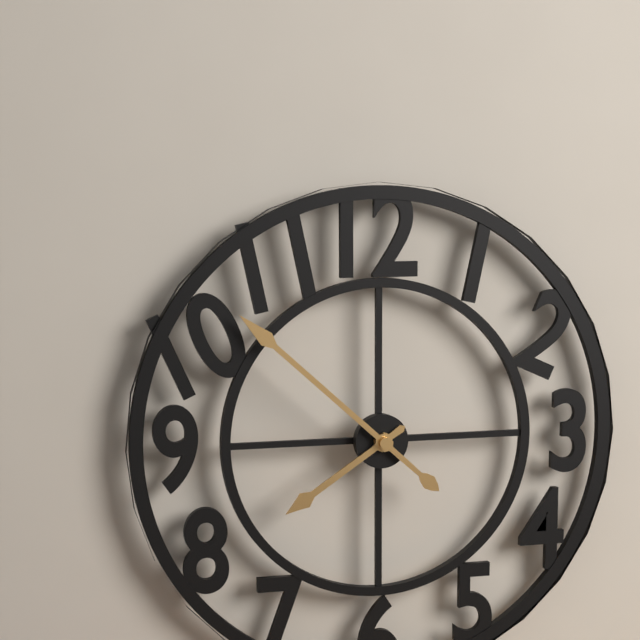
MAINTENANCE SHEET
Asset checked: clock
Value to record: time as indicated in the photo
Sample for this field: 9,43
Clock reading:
7,52
